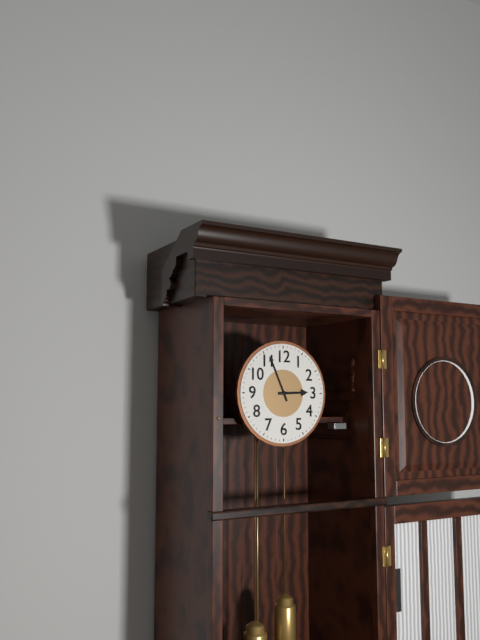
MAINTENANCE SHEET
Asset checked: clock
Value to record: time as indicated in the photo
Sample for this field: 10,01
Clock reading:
2,56
